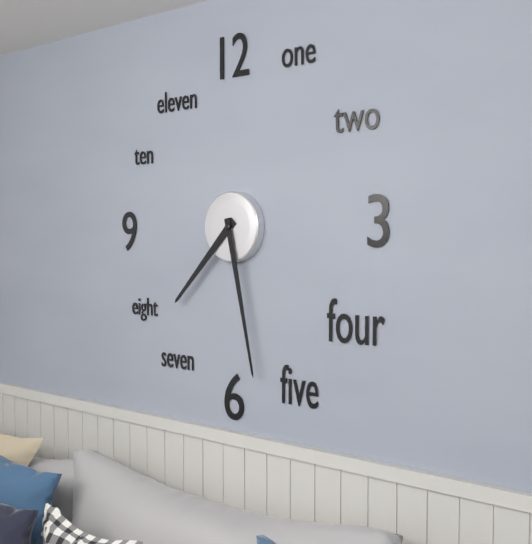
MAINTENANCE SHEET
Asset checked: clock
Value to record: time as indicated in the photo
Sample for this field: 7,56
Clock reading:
7,28
